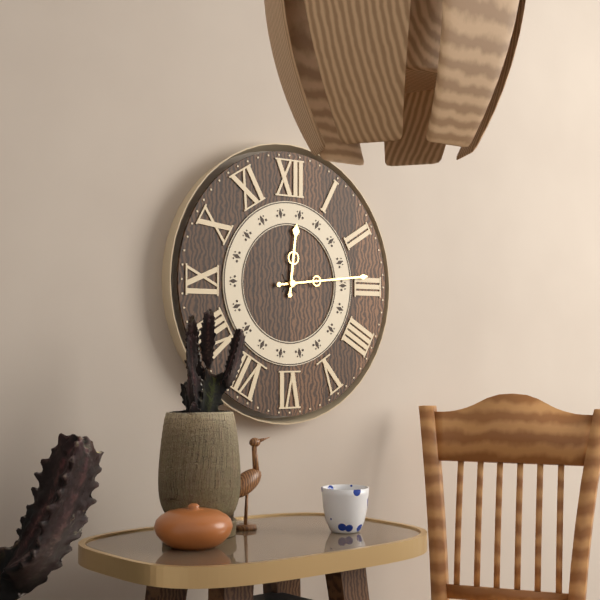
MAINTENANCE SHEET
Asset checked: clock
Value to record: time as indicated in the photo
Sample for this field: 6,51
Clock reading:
12,14
